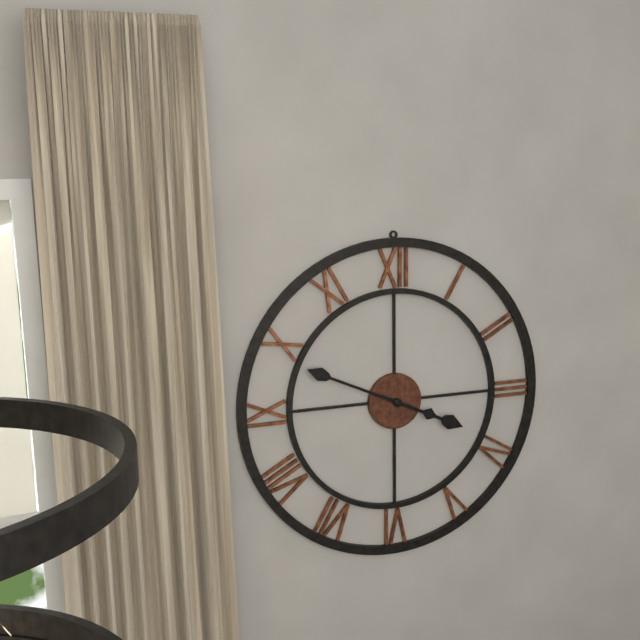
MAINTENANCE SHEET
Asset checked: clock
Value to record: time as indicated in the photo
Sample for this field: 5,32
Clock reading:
3,49
